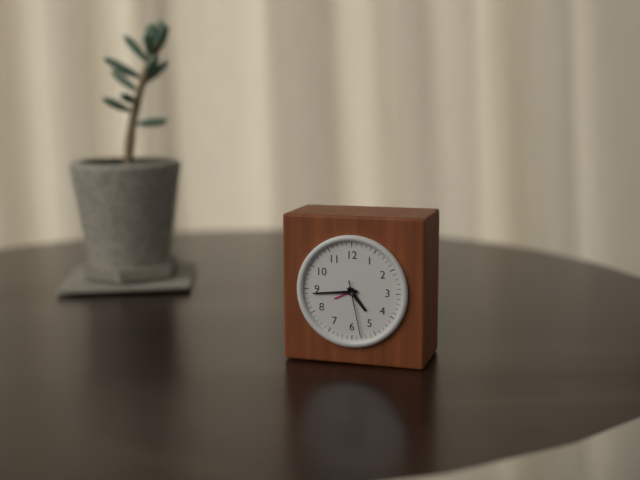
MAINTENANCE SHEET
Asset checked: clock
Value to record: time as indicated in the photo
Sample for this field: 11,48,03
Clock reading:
4,44,28
